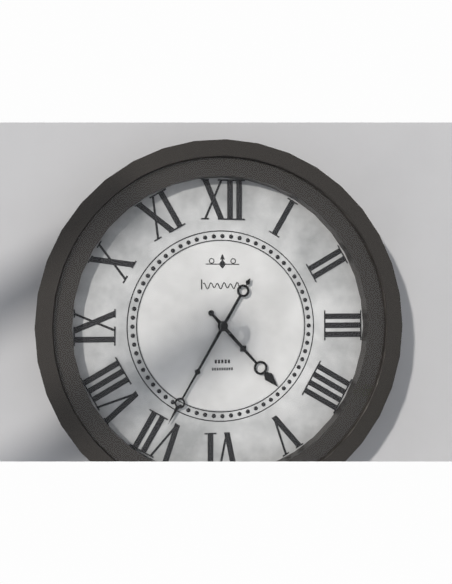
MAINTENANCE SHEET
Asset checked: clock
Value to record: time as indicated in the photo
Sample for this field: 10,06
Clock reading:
4,35
